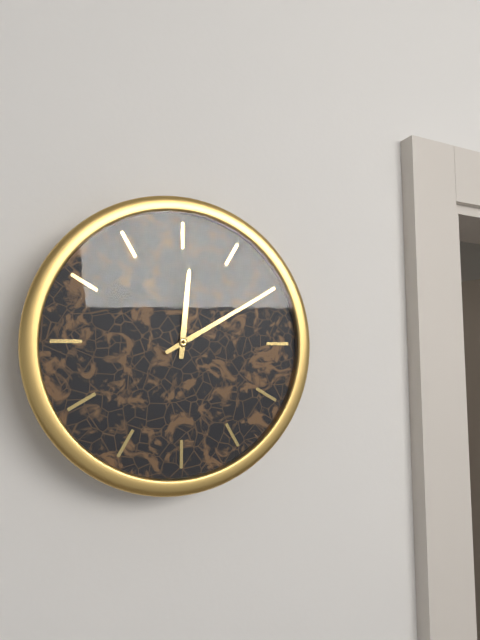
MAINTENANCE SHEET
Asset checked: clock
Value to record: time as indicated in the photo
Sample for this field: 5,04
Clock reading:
12,10
